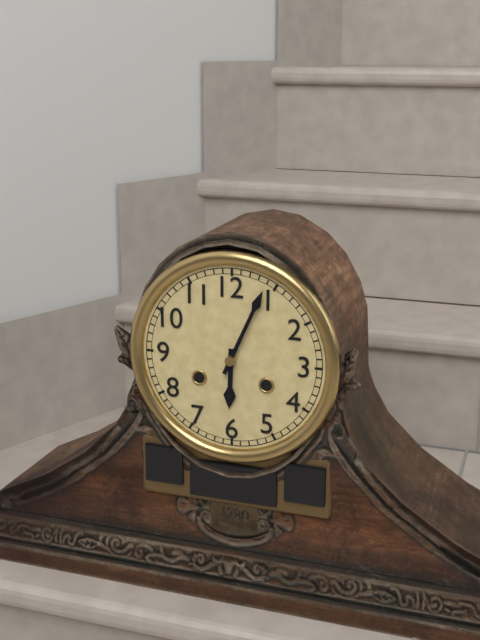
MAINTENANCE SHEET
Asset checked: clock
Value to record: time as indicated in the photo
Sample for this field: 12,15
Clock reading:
6,04
